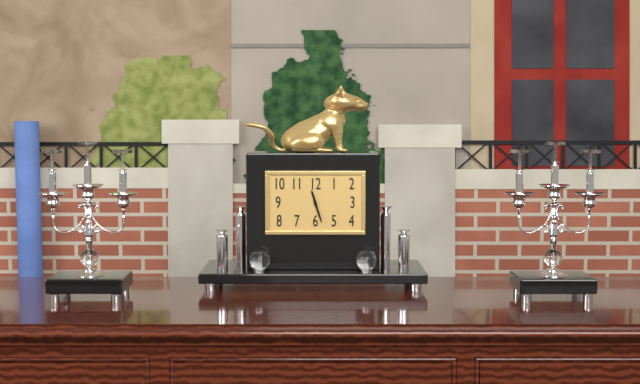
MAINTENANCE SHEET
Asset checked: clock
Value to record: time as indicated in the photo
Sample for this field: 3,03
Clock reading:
11,27
